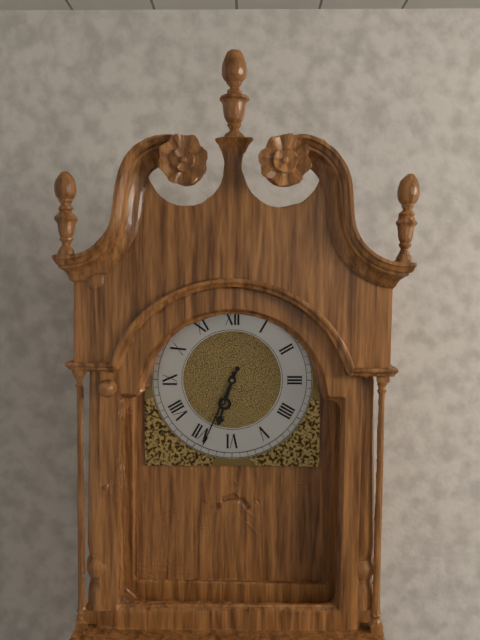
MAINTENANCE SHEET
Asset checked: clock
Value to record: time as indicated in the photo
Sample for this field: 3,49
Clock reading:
6,34
